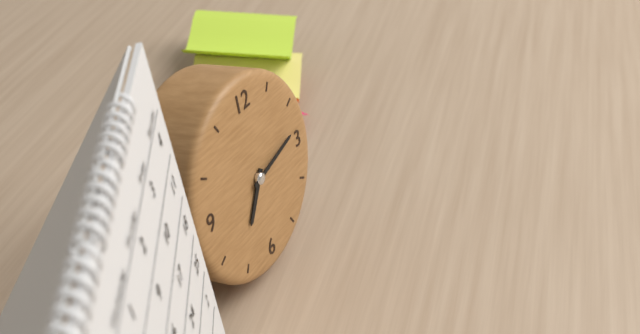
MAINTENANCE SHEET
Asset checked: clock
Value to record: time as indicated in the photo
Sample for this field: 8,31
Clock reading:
7,13
